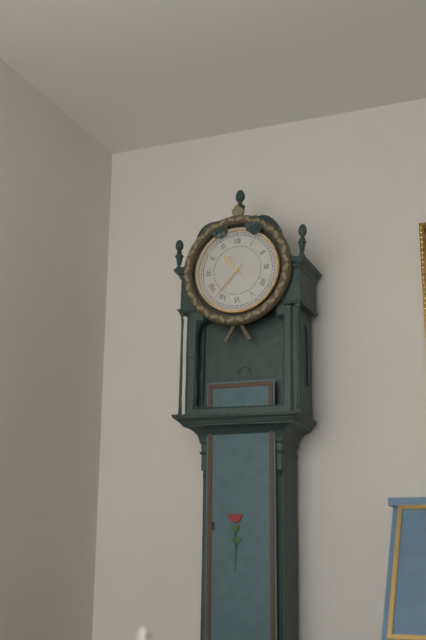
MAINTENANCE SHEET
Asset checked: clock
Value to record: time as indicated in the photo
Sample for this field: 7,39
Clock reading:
10,37
